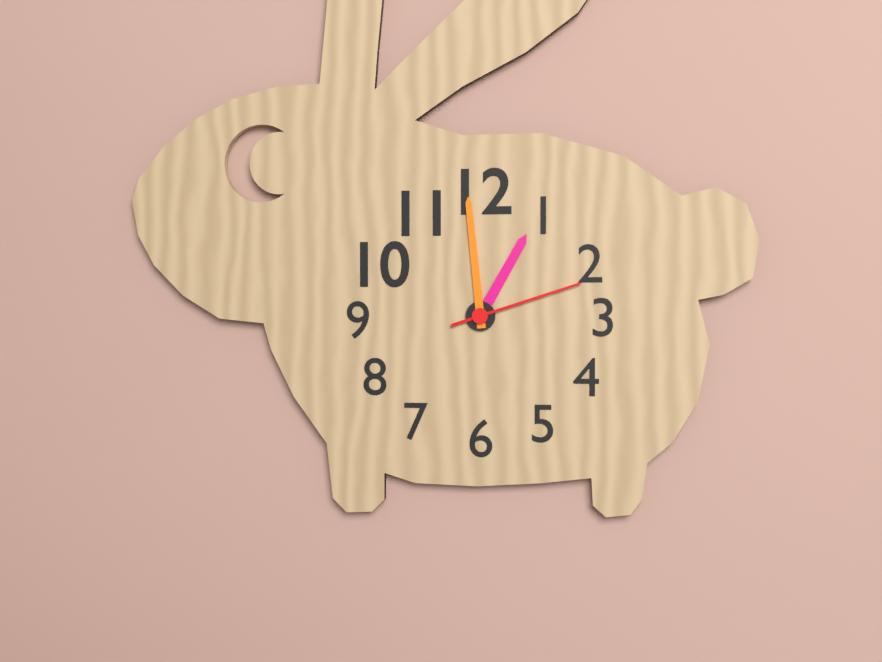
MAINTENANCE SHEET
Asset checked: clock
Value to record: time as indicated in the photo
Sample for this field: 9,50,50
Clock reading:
12,59,12
